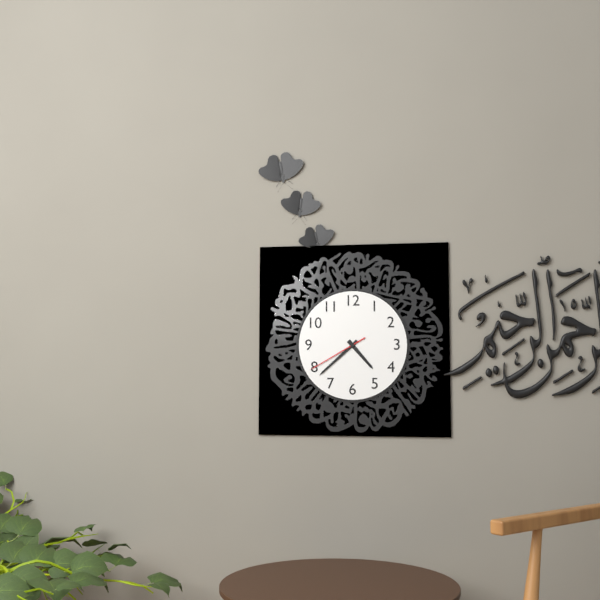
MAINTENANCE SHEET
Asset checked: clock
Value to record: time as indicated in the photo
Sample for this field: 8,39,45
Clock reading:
4,38,40
